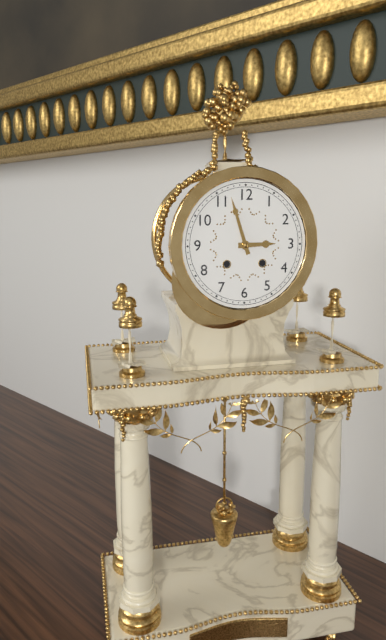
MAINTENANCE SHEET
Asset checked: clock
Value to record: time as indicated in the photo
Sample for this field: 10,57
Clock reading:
2,57
